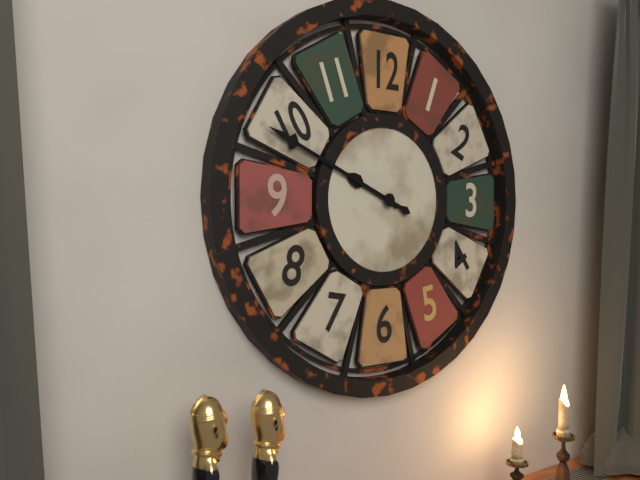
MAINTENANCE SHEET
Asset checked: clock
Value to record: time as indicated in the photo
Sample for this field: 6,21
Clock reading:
9,49
